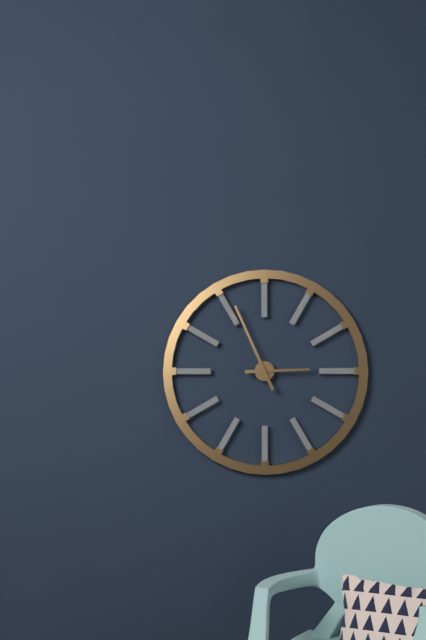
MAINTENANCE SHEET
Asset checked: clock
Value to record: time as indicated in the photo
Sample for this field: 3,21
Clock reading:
2,56
